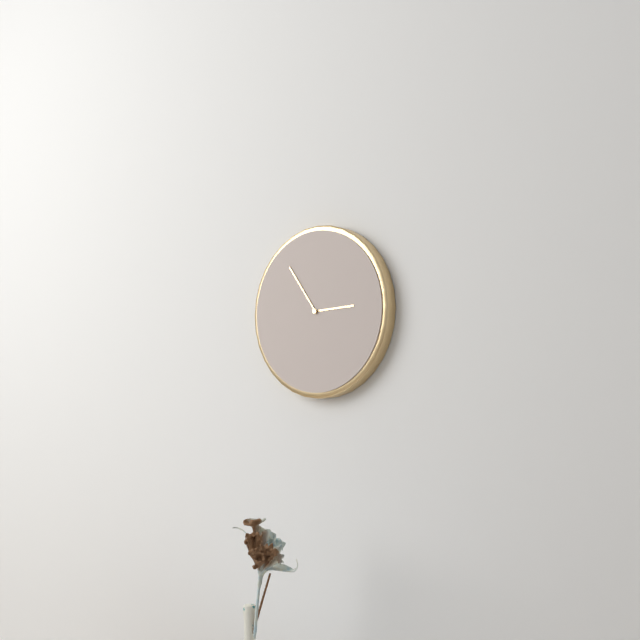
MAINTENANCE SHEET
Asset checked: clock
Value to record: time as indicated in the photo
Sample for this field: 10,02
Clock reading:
2,54
